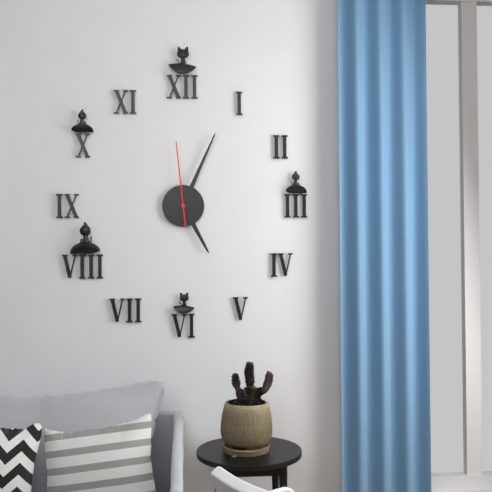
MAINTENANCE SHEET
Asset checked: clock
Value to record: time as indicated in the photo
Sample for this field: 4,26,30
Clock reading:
5,04,59
